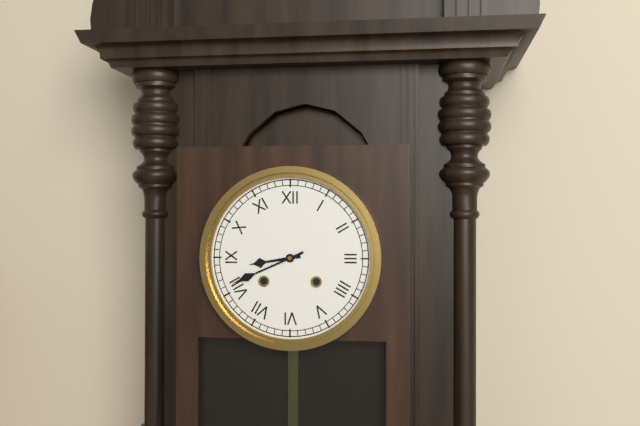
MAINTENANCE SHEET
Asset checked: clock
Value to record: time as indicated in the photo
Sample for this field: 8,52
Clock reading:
8,41
